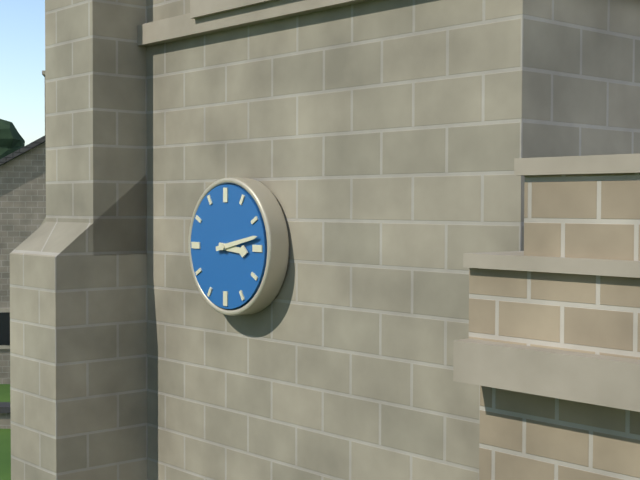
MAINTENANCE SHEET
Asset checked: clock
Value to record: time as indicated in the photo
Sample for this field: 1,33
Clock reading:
3,13
